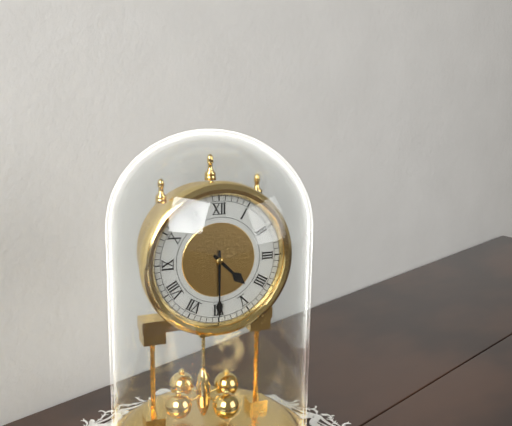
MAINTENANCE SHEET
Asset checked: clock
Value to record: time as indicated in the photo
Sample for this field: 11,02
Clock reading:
4,30
